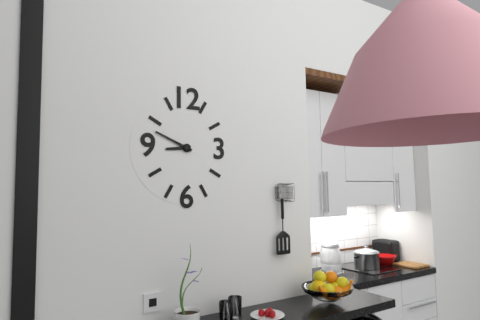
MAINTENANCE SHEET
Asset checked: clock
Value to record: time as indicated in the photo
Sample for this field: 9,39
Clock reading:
8,49
